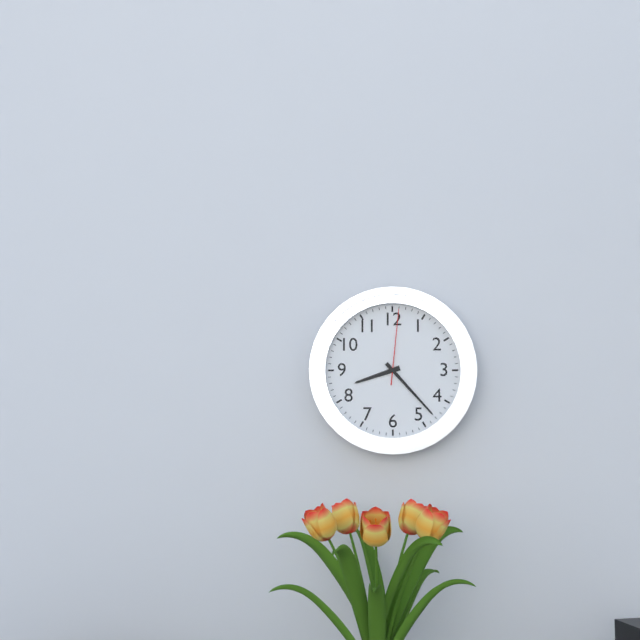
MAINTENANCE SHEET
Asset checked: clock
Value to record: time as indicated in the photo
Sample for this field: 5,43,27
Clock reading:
8,23,01
